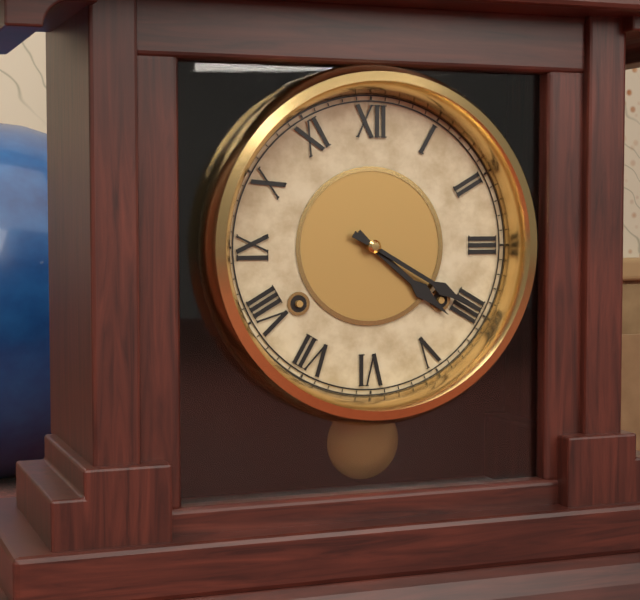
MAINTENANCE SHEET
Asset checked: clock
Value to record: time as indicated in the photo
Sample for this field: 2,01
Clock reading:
4,20
